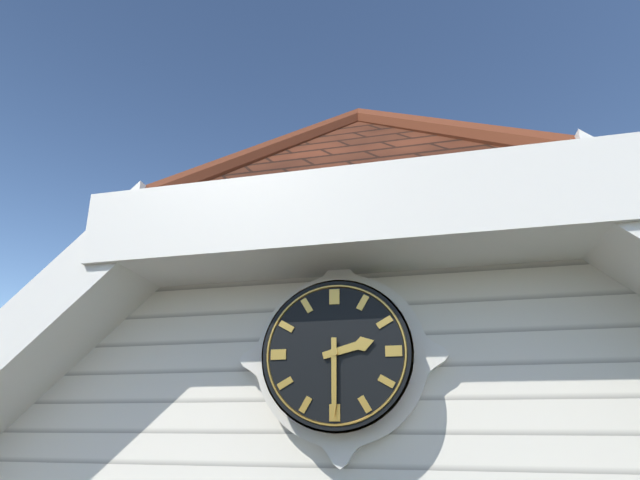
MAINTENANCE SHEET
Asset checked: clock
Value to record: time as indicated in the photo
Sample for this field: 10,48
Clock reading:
2,30
